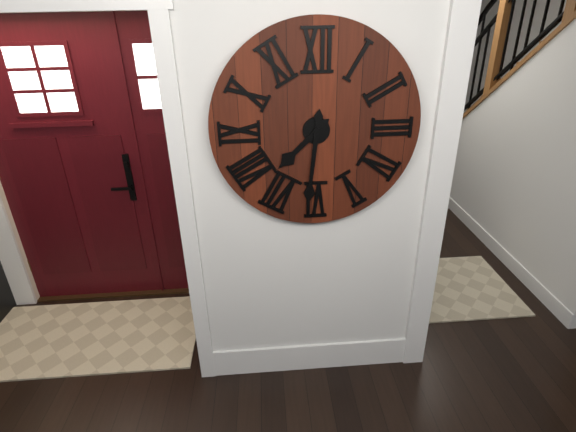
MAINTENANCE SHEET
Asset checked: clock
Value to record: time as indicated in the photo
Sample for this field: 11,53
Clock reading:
7,31
